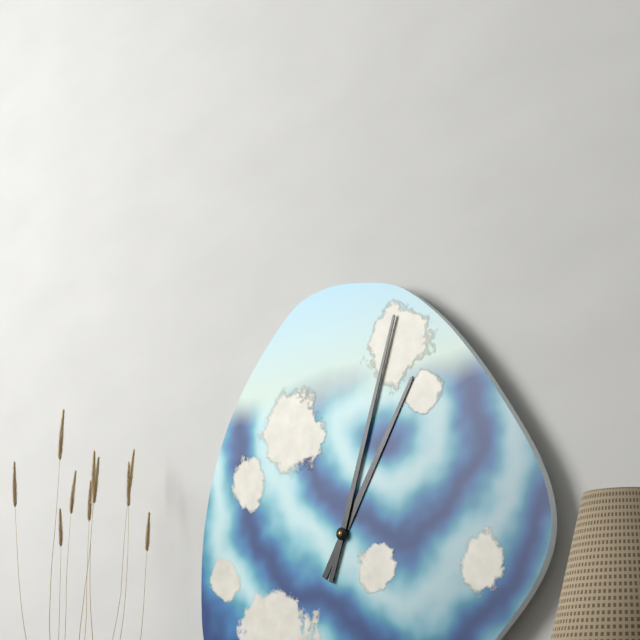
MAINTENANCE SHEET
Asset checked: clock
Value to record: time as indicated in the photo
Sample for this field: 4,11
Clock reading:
1,03
